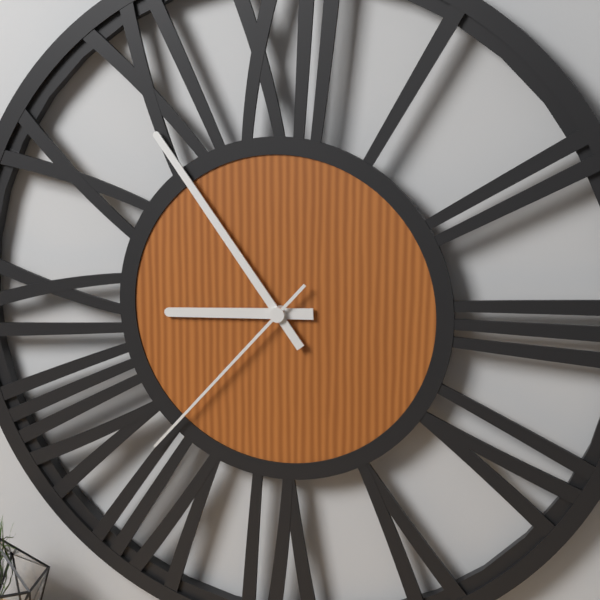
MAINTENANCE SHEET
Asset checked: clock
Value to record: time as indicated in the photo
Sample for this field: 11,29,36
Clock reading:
8,54,37
